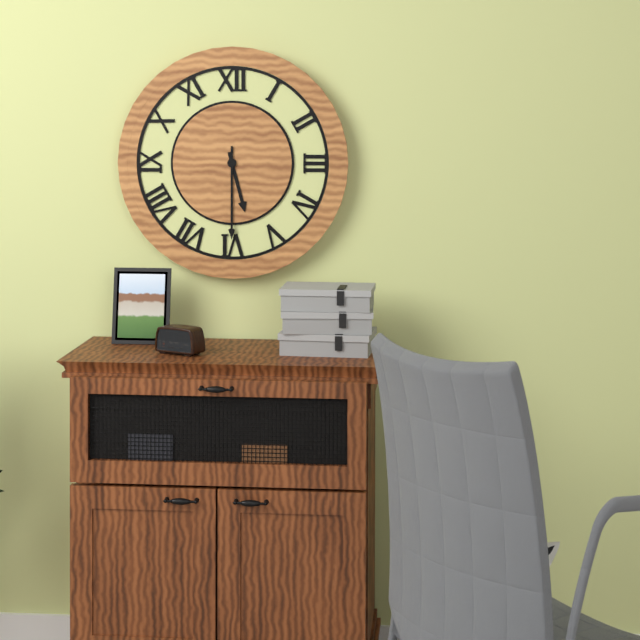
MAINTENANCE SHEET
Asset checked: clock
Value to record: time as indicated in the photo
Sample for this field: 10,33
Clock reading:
5,30
